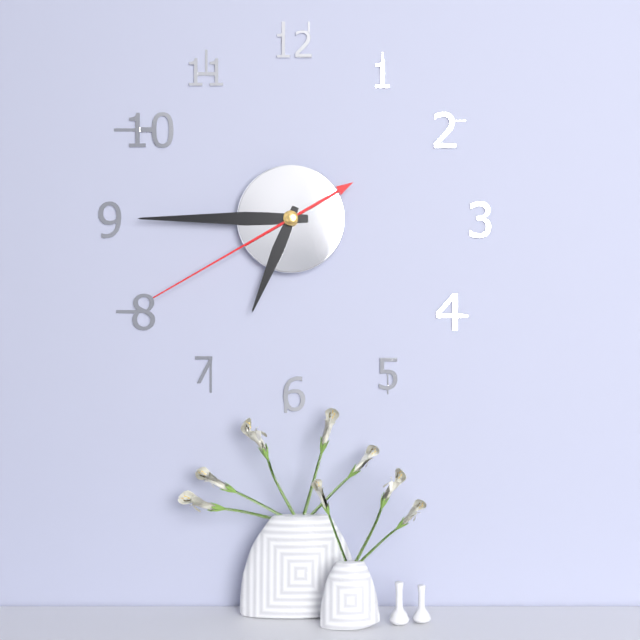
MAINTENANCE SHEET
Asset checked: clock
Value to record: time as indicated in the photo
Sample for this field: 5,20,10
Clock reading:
6,45,40
